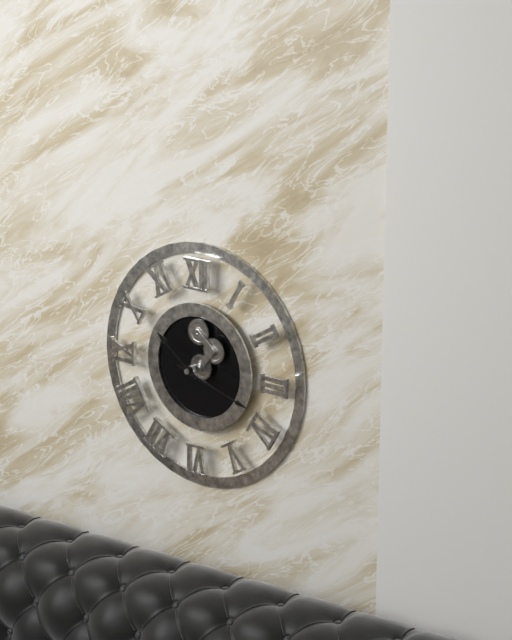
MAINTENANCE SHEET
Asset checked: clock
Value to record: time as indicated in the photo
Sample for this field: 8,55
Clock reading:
10,18
